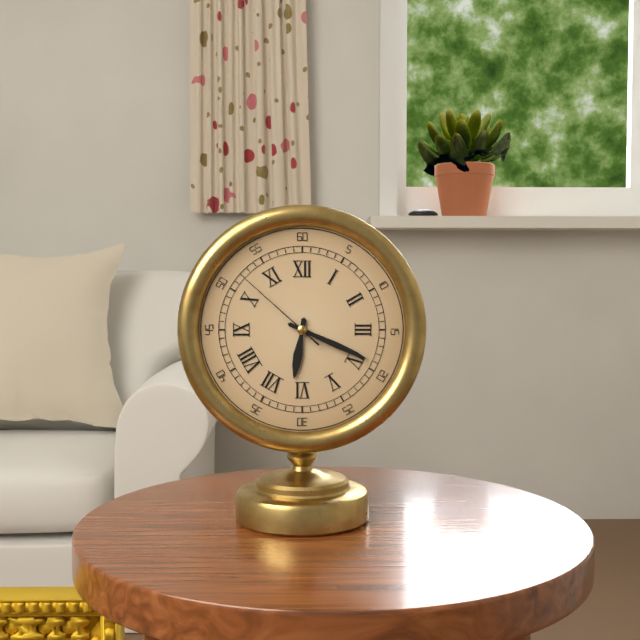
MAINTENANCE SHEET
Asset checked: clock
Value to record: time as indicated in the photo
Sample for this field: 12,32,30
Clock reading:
6,19,52
